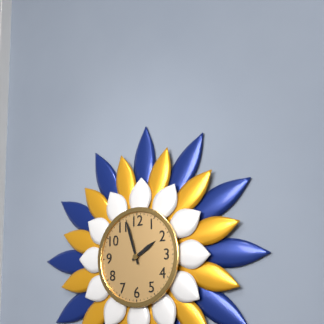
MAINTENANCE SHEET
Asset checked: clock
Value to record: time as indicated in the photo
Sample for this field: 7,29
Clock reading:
1,57
